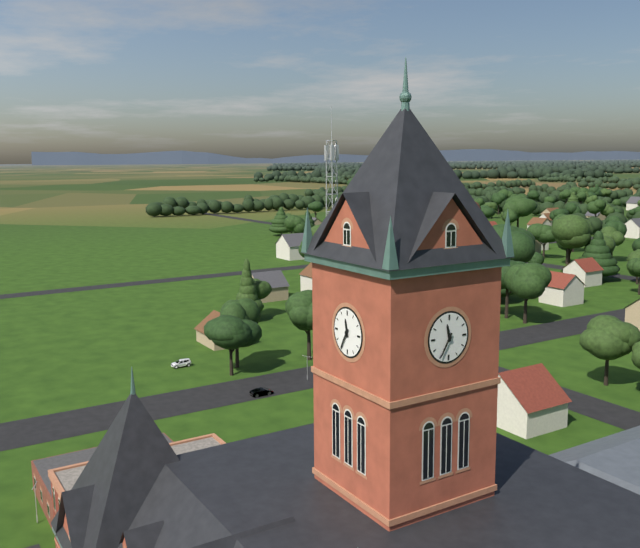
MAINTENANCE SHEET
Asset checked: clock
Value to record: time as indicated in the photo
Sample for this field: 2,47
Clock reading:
11,35
